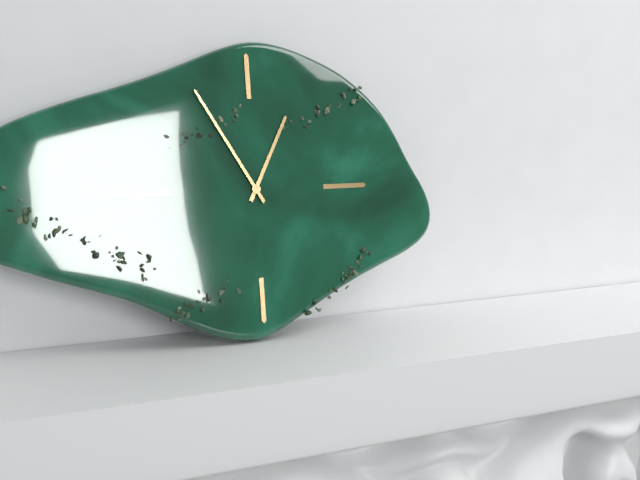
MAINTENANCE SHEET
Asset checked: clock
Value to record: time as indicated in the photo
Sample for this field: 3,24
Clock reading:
12,55
